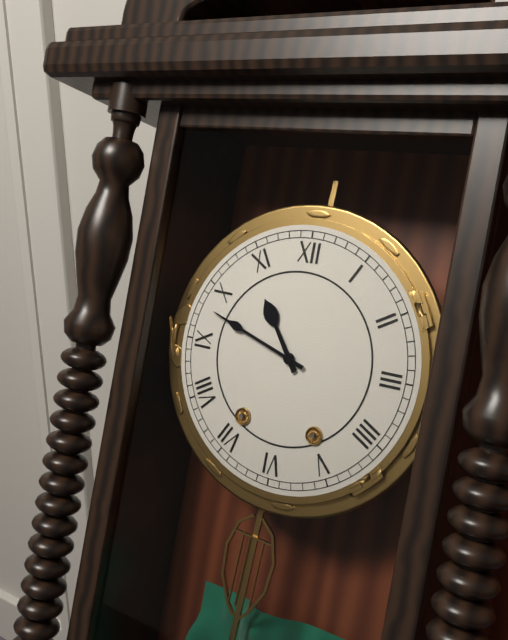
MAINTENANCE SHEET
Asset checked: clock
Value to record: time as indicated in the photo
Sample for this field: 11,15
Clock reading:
10,48
